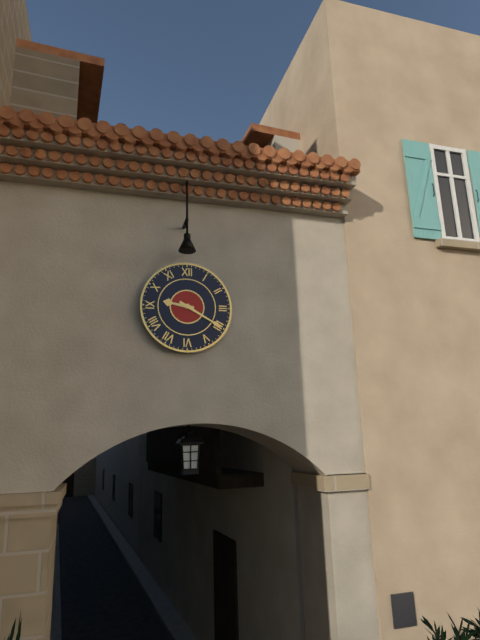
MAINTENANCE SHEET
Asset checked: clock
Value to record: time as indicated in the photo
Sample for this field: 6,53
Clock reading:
9,20
